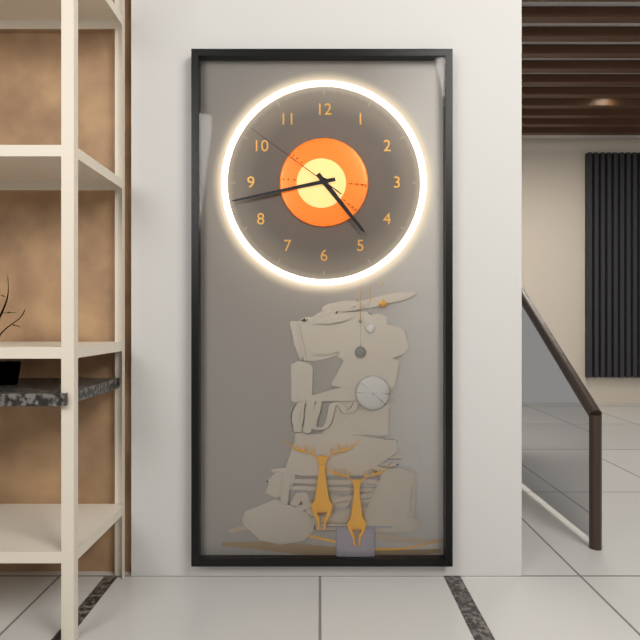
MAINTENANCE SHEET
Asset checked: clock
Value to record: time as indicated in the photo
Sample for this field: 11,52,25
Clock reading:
4,43,51
